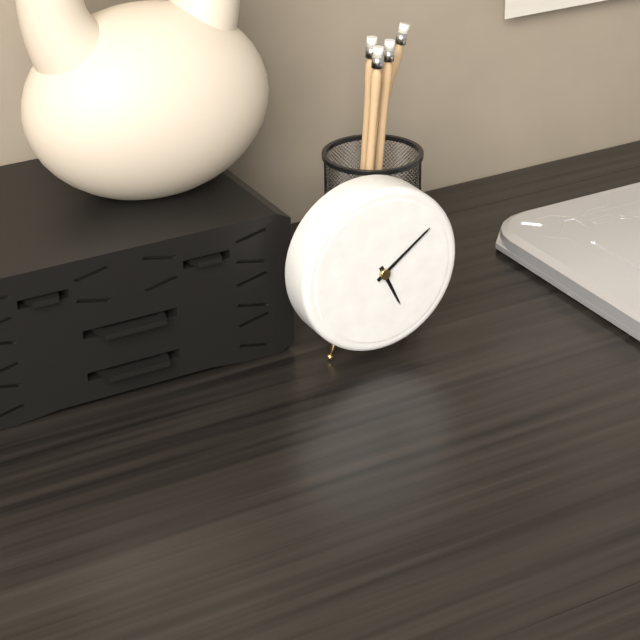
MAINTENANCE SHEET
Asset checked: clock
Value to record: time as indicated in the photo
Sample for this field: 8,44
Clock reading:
5,09
